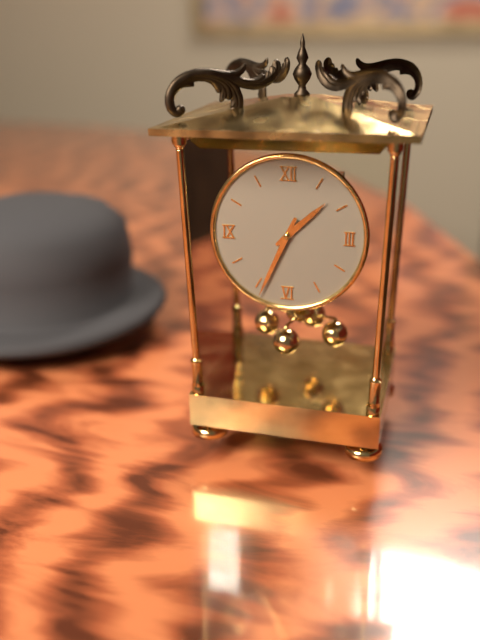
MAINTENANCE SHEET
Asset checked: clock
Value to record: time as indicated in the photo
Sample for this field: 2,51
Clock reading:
1,34
